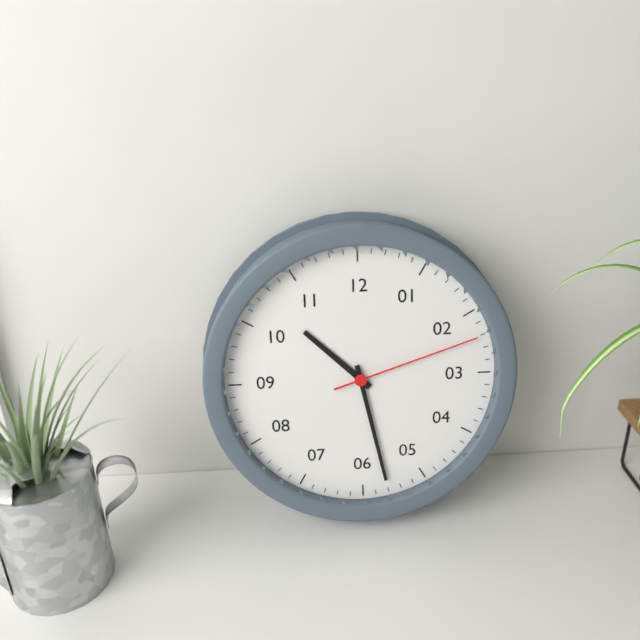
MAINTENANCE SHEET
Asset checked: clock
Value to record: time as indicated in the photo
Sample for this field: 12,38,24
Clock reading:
10,28,12
